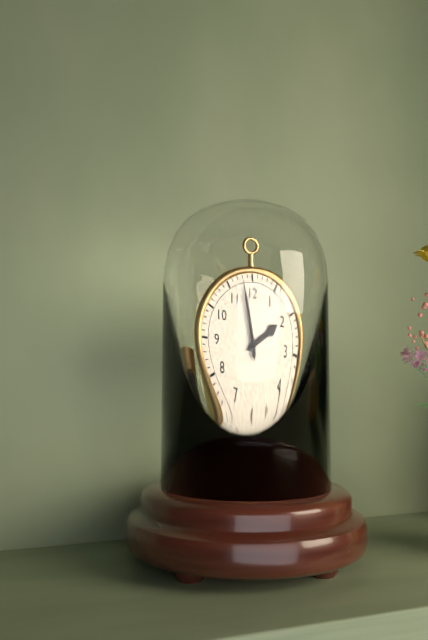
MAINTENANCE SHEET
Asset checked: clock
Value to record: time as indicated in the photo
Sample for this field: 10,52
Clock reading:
1,58
